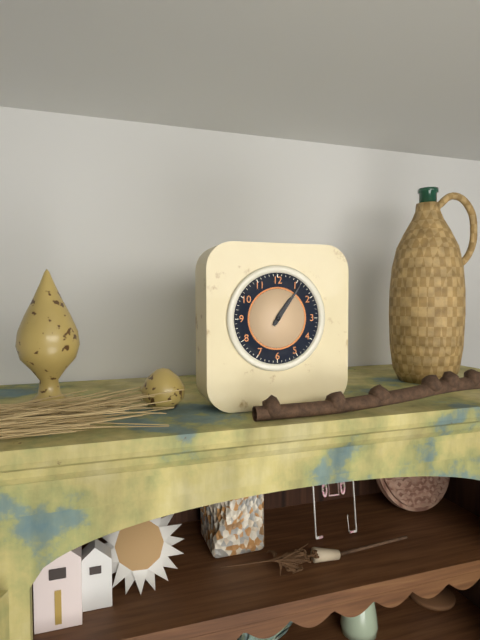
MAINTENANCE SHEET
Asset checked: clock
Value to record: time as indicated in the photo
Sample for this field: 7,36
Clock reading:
1,06
